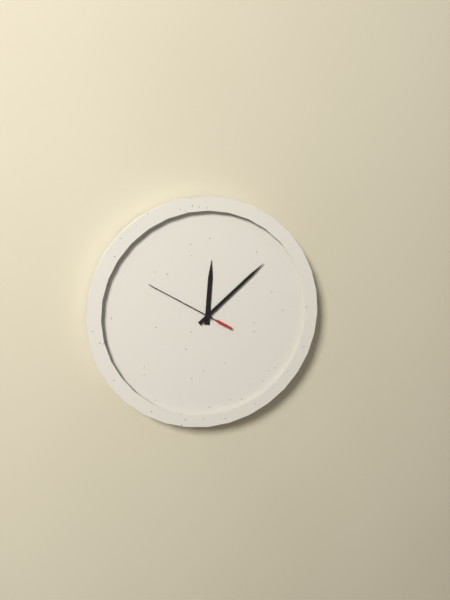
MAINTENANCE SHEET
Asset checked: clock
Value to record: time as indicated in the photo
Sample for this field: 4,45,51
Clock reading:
12,08,50
